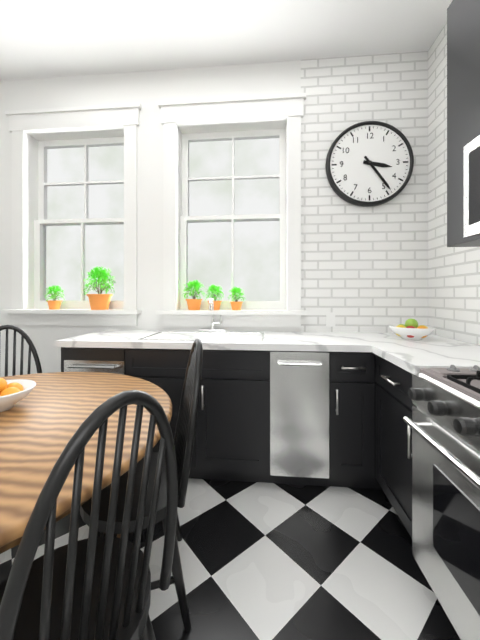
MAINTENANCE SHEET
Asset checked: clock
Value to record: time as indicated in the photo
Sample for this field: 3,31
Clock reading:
3,24
